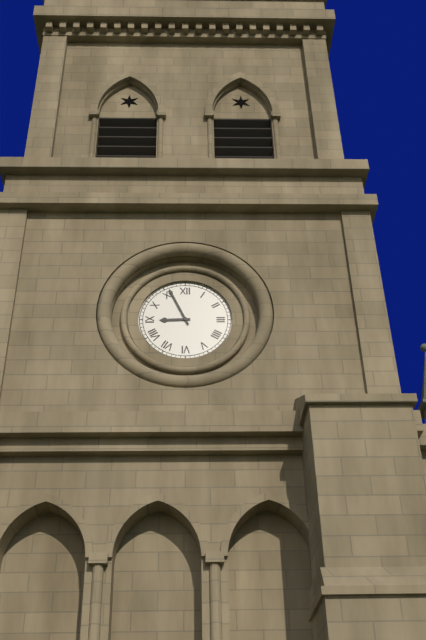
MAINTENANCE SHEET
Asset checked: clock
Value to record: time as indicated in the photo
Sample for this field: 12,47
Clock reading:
8,56
